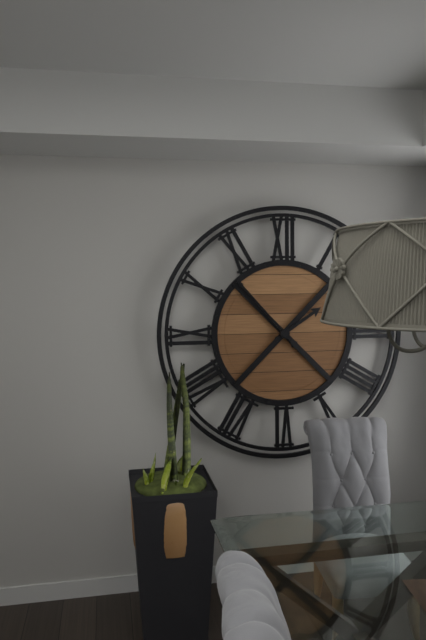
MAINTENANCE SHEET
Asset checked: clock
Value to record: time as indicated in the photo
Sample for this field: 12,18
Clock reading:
1,53
